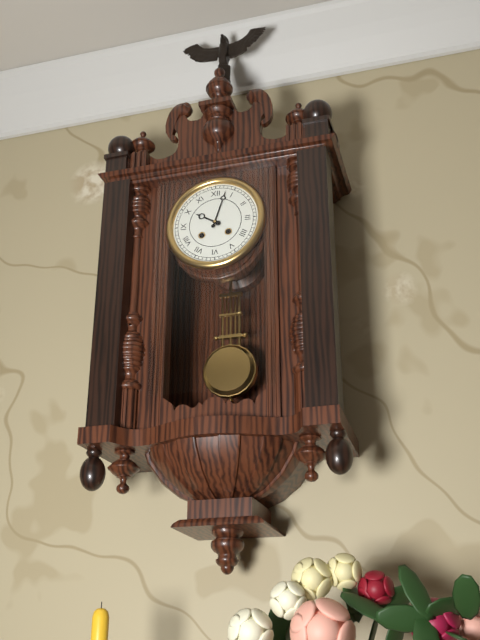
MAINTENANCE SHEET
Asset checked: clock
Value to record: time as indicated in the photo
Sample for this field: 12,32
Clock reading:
10,03
